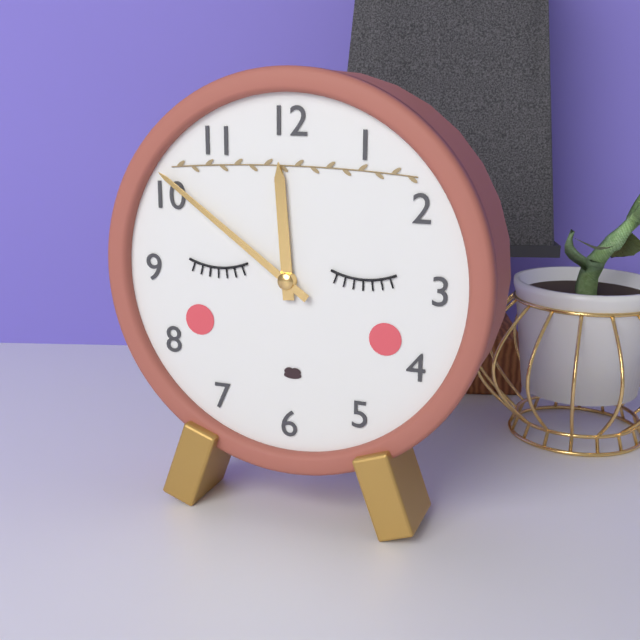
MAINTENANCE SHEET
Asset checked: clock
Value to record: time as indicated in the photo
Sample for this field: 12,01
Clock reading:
11,51
